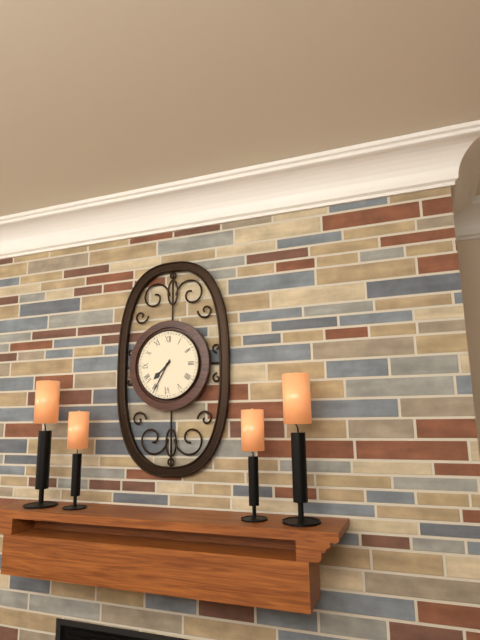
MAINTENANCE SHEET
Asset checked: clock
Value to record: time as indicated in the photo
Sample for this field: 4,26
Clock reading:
7,35
